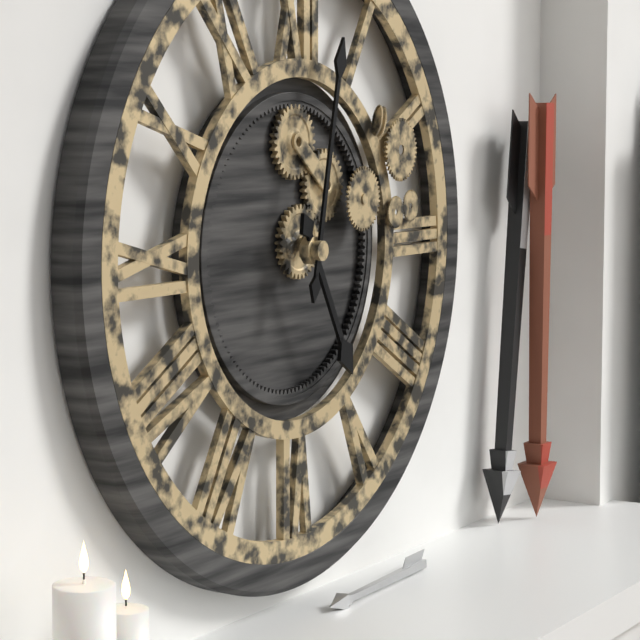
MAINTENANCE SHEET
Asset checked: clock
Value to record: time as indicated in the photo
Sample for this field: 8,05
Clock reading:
5,02
